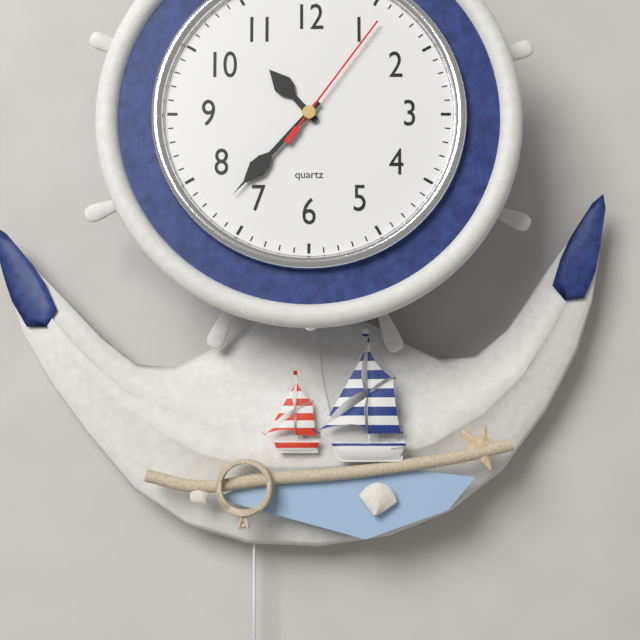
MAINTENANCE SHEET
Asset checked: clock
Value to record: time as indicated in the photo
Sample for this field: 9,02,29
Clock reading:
10,37,06
